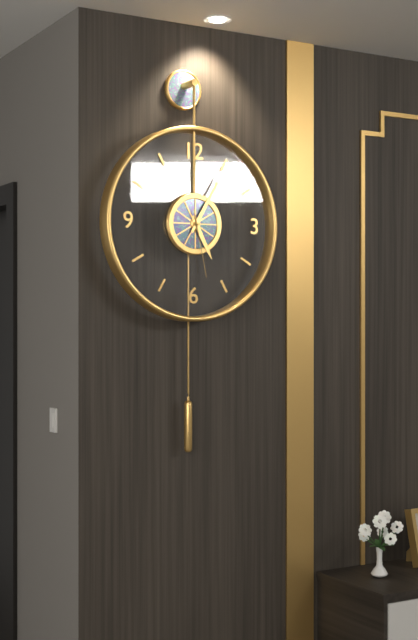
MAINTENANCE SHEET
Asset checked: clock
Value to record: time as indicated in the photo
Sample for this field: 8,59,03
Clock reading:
5,05,28
